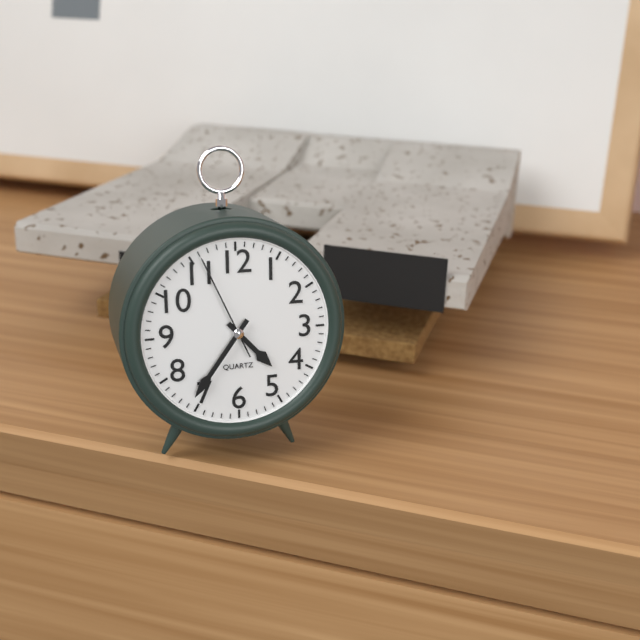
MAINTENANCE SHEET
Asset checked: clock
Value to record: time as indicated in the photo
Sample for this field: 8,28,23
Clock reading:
4,36,56
